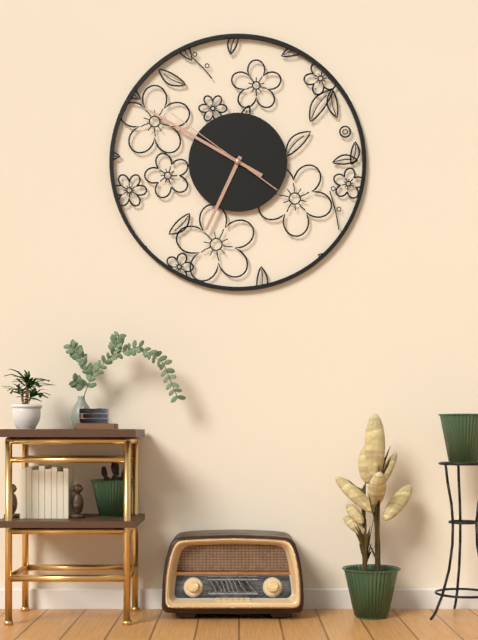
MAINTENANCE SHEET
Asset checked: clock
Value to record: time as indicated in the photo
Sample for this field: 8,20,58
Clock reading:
6,50,51
